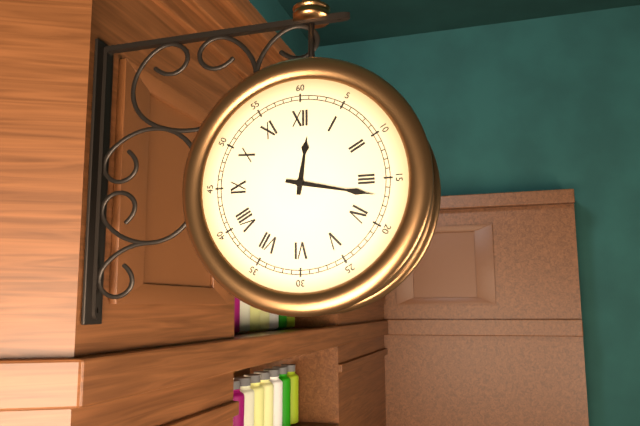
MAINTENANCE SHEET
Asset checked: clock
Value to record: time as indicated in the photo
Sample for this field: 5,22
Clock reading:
12,17
